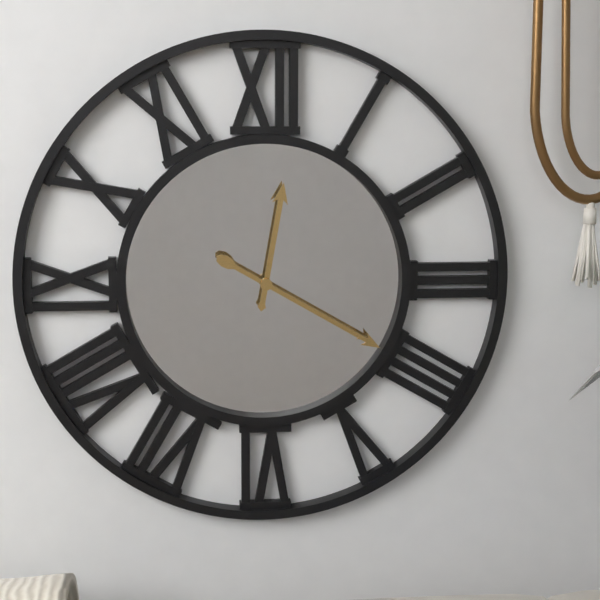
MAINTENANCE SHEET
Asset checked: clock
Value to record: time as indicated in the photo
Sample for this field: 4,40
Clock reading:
12,20
